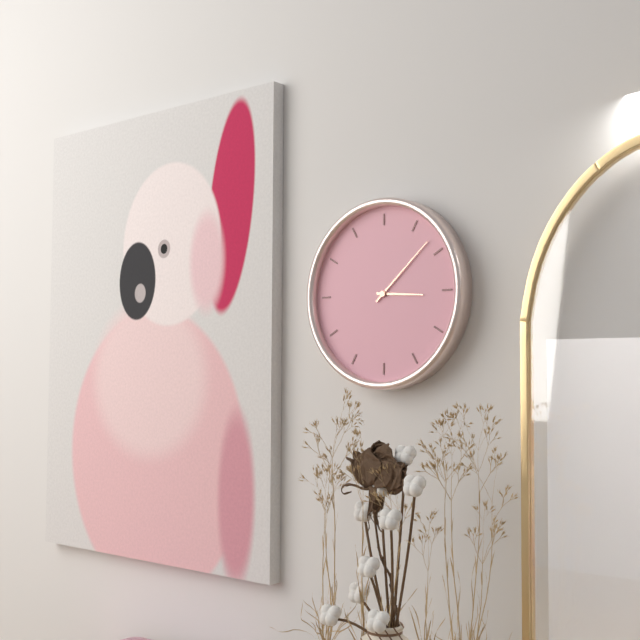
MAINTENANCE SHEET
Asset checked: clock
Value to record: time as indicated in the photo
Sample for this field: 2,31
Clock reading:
3,08
